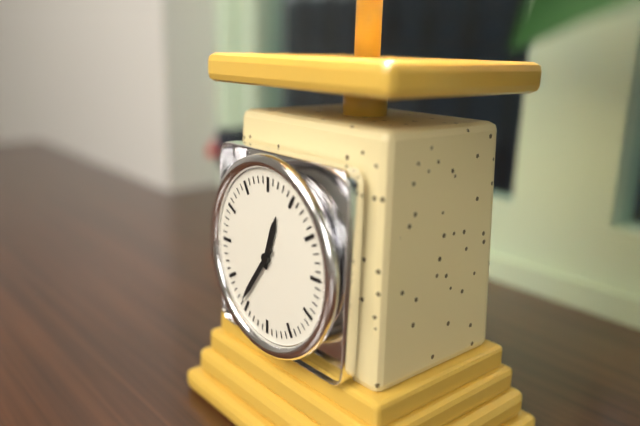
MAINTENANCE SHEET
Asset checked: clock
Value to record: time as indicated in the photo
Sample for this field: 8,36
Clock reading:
12,36
